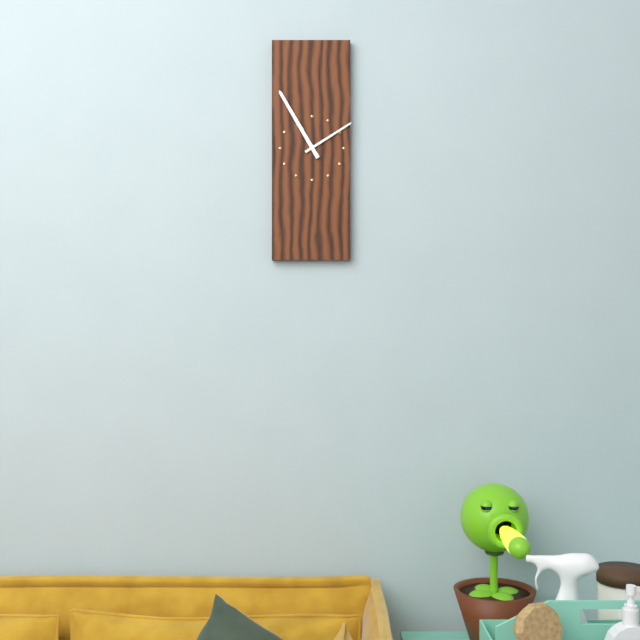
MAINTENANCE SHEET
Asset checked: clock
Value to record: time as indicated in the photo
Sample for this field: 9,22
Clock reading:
1,55
